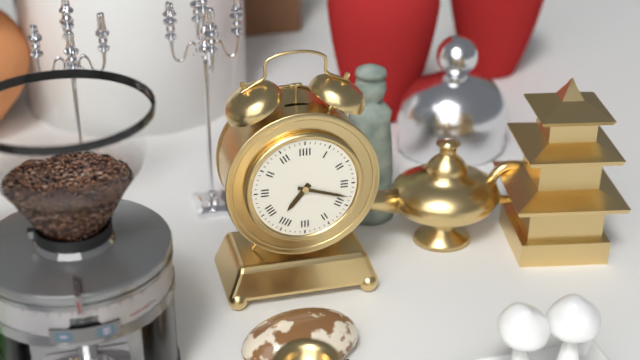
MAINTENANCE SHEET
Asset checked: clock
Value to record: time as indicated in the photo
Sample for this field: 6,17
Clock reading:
7,18
